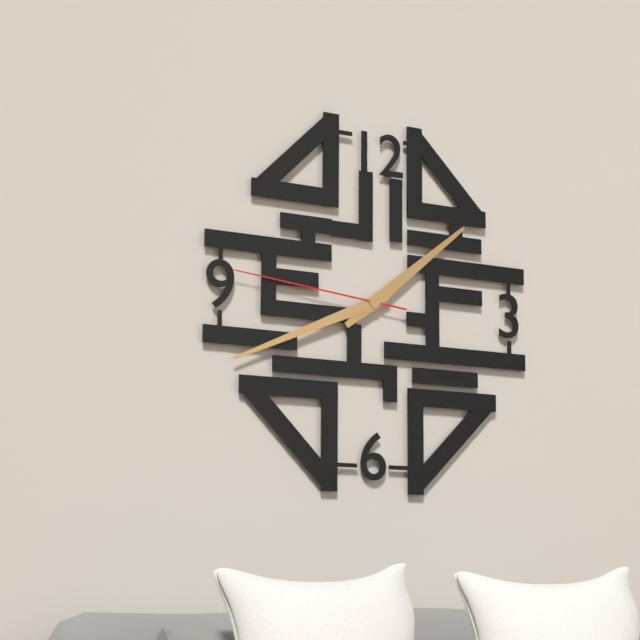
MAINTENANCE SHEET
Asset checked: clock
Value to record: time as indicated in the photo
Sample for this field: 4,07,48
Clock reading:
1,41,46
